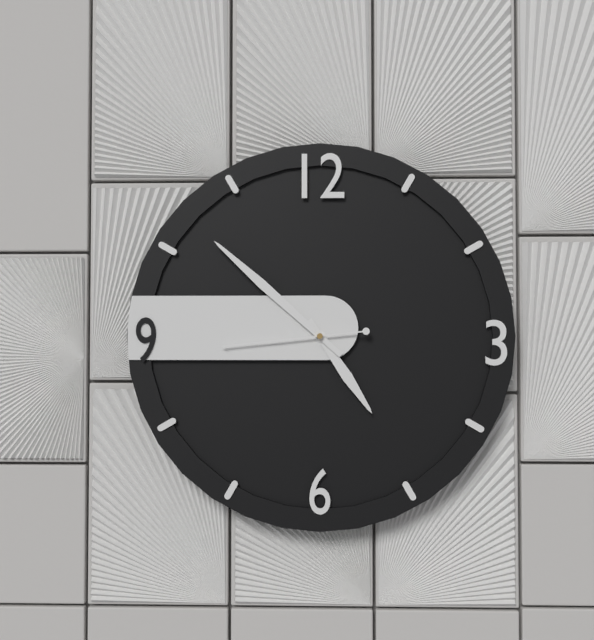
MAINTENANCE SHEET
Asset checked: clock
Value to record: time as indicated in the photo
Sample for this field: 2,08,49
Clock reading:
4,52,44
